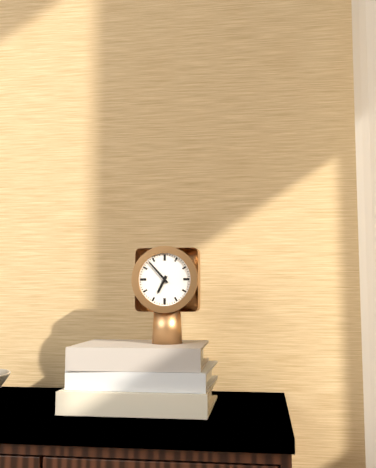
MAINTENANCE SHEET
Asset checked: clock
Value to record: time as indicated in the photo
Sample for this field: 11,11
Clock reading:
6,53
